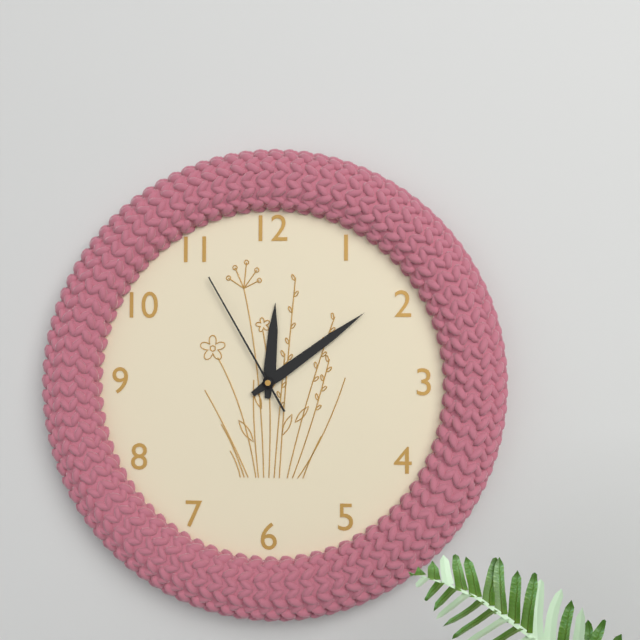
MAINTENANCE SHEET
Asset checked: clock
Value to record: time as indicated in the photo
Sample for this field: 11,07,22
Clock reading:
12,09,55
